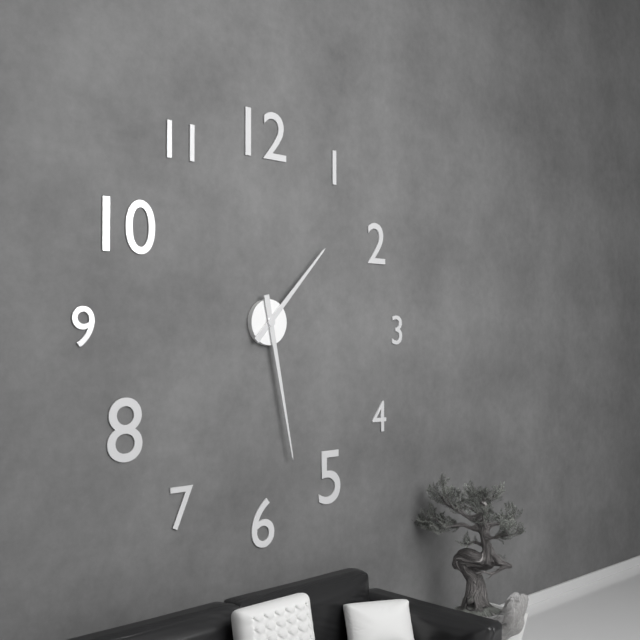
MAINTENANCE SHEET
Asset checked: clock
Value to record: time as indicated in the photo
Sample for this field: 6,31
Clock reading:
1,28
